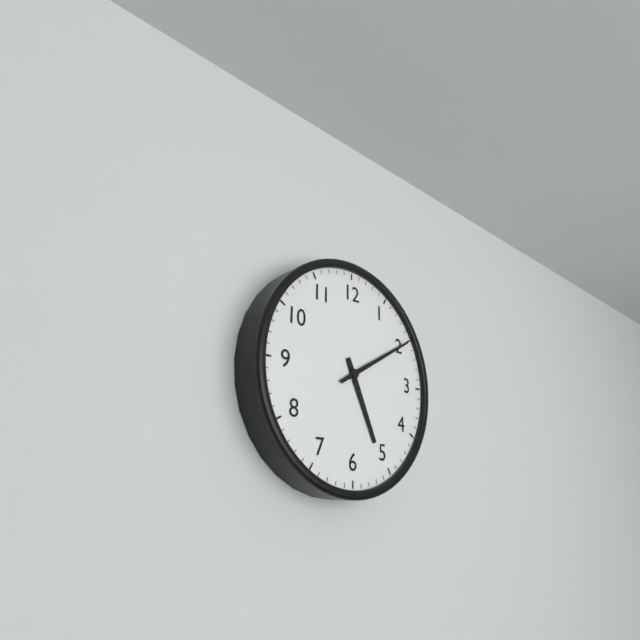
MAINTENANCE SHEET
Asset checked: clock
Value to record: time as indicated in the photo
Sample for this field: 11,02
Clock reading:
5,10
